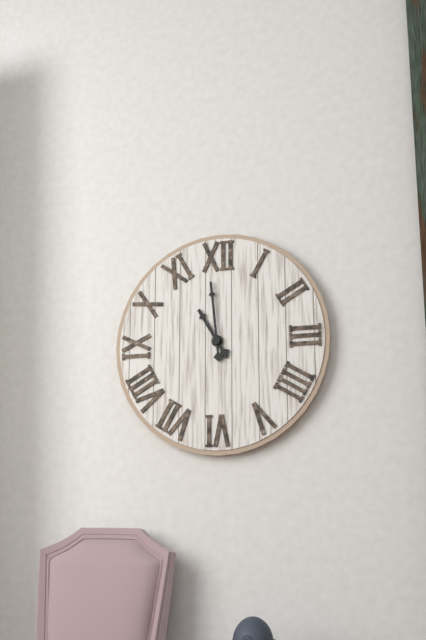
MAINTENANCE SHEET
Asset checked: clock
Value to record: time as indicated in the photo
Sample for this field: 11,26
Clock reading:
10,59
